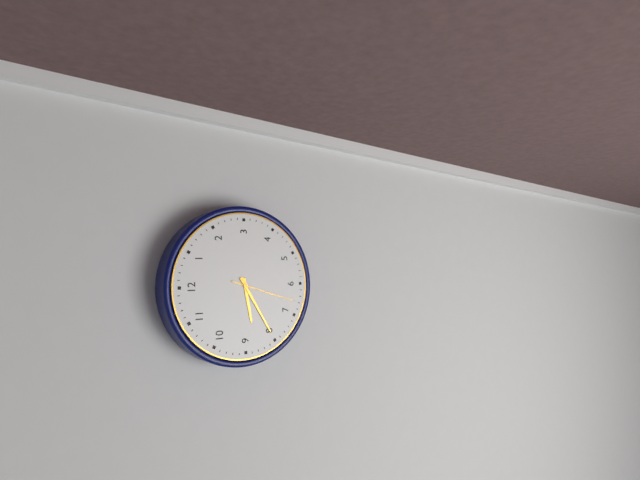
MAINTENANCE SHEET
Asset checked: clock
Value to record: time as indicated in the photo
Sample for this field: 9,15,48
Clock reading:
8,40,33
